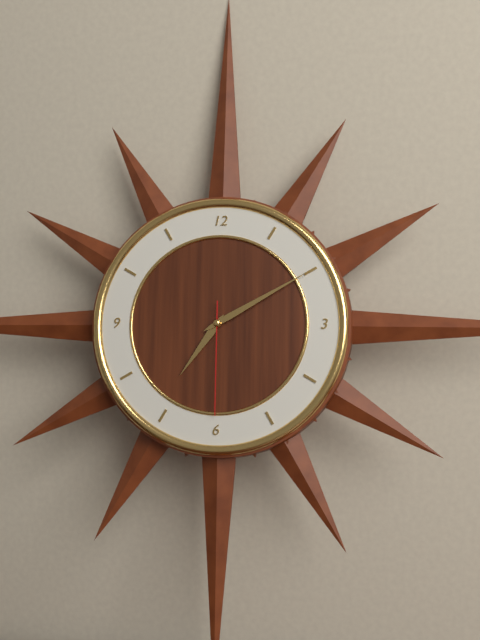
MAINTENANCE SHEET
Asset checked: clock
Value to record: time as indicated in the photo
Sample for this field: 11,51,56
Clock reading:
7,10,30
